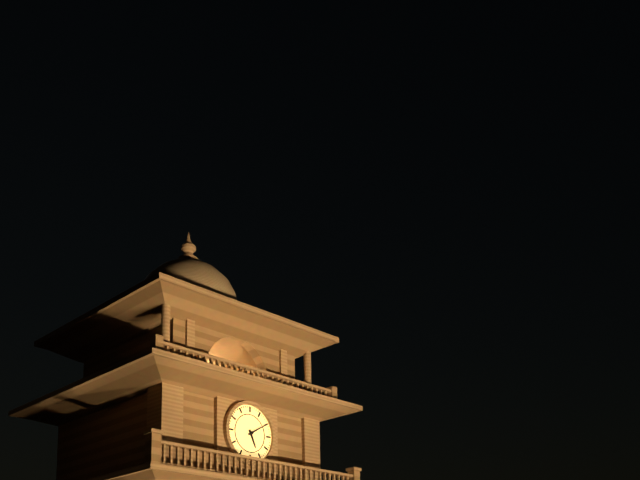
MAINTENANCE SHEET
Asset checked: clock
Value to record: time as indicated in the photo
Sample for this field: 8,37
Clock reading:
5,10
